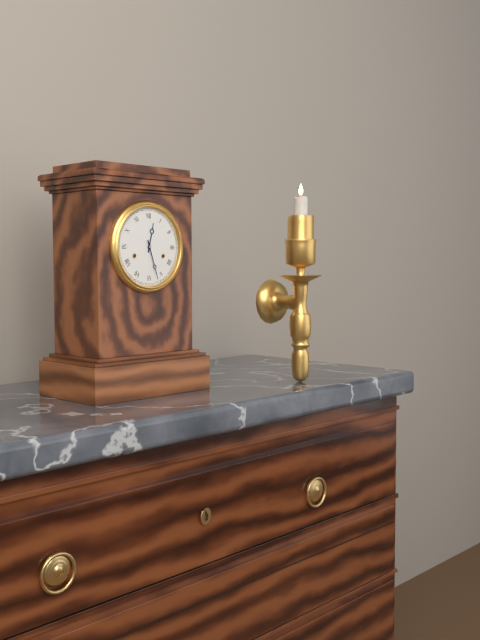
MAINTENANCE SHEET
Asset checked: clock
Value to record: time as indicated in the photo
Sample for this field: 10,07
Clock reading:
12,27
